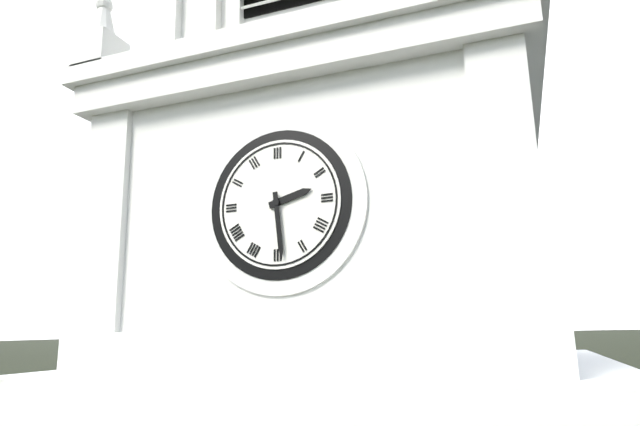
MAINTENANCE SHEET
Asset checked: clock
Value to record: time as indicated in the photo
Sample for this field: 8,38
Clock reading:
2,29
